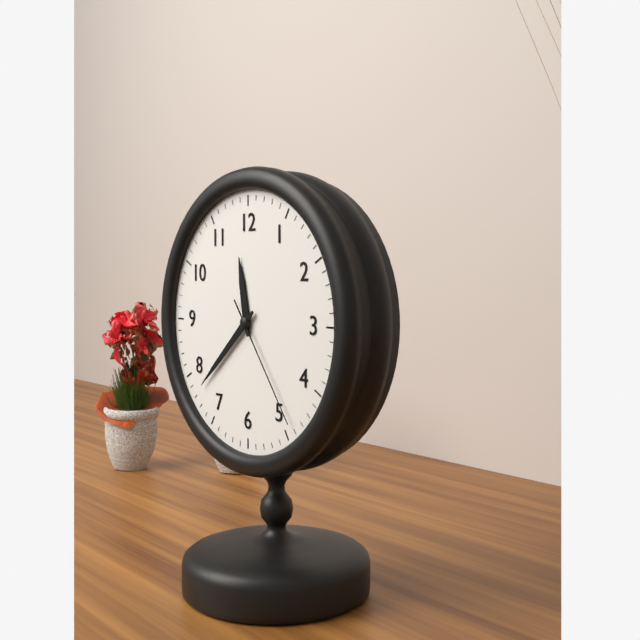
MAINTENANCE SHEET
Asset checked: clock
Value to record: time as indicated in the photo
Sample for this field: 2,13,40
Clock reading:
11,38,24
